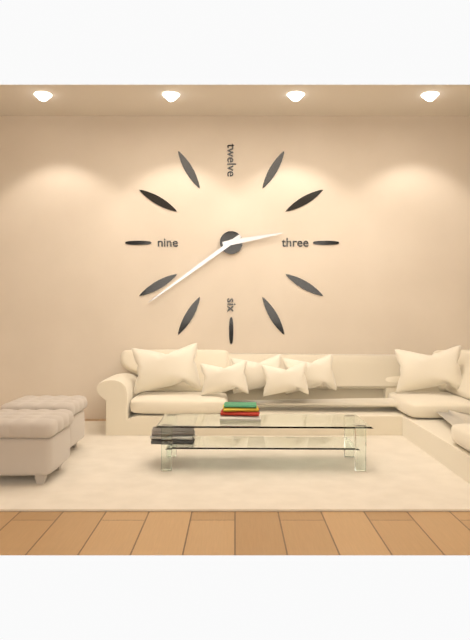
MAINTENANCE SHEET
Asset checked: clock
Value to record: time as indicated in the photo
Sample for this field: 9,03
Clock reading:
2,39
